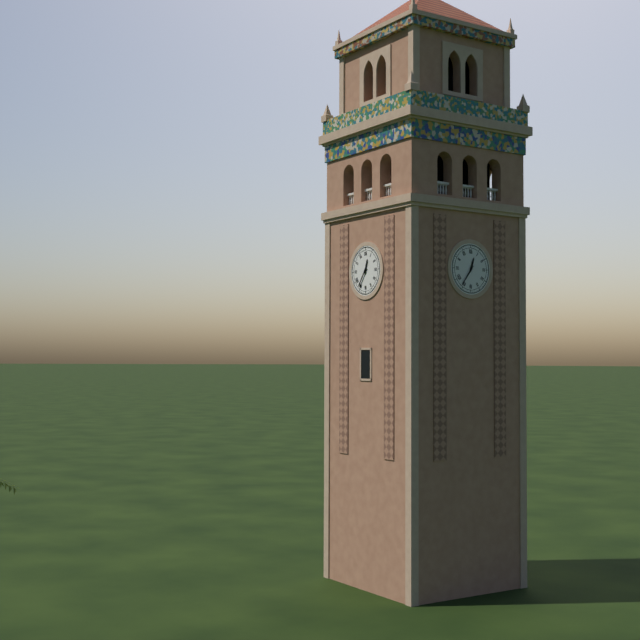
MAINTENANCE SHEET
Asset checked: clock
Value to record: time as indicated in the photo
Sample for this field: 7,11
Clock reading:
12,36
